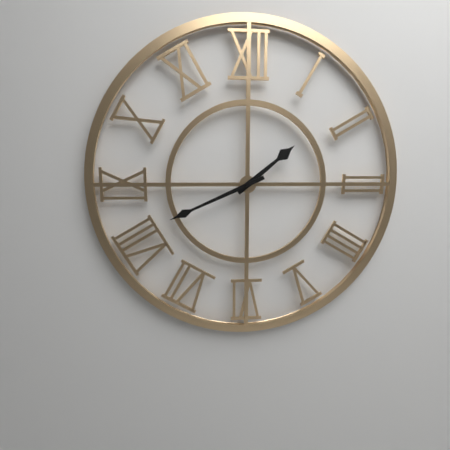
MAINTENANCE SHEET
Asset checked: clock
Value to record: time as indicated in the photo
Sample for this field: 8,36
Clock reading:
1,41
